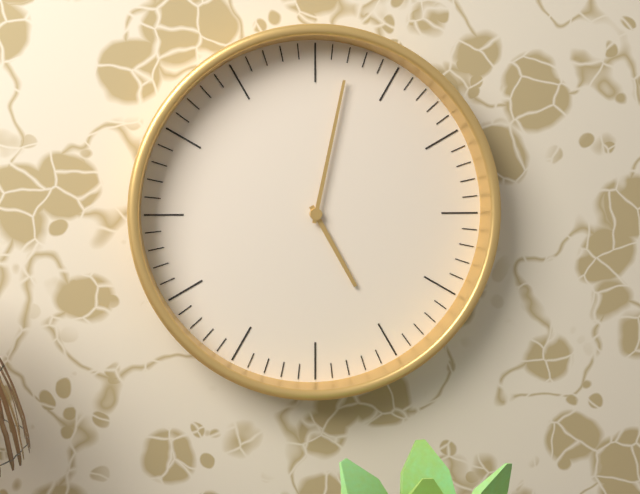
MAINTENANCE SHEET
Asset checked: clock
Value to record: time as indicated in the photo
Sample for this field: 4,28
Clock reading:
5,02
